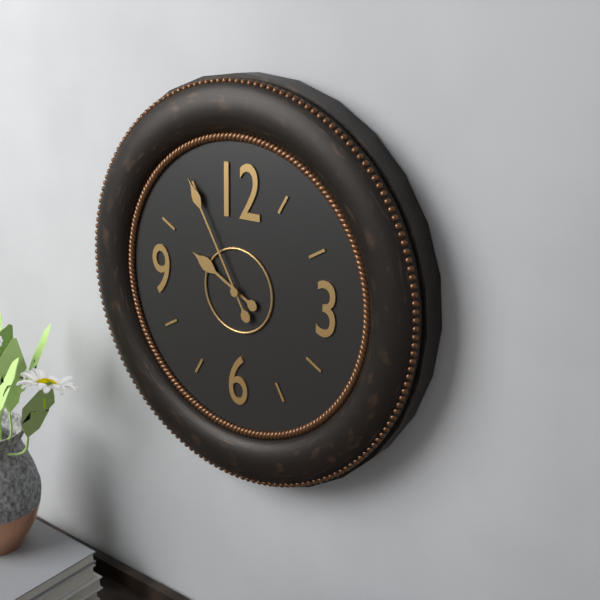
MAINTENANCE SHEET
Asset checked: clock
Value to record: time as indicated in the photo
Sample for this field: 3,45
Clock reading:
9,55
